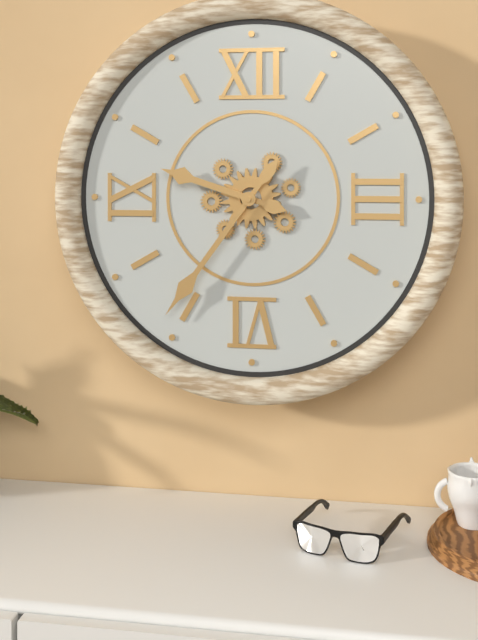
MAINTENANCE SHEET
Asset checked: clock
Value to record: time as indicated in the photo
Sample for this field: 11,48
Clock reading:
9,36
